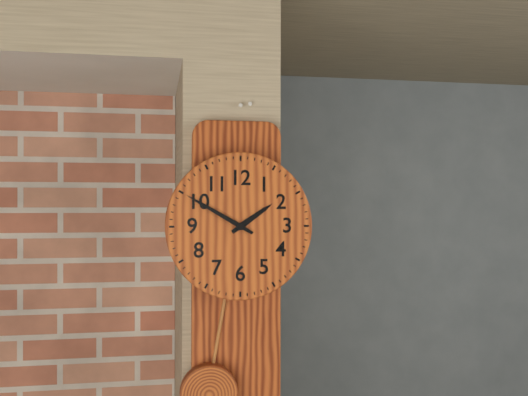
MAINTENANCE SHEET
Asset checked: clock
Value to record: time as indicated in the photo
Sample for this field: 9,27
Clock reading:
1,50
